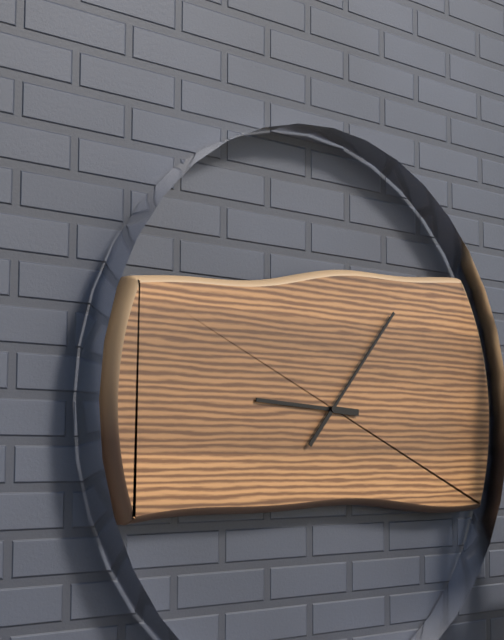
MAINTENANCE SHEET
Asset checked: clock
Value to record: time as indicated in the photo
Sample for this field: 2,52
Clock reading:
9,07
